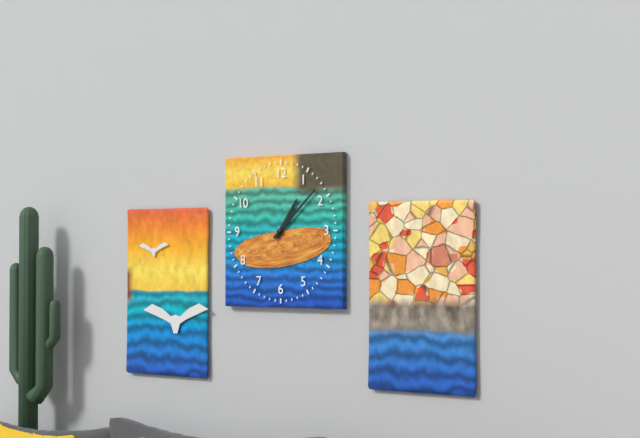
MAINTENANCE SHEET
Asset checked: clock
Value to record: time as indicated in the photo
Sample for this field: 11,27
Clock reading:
1,08
